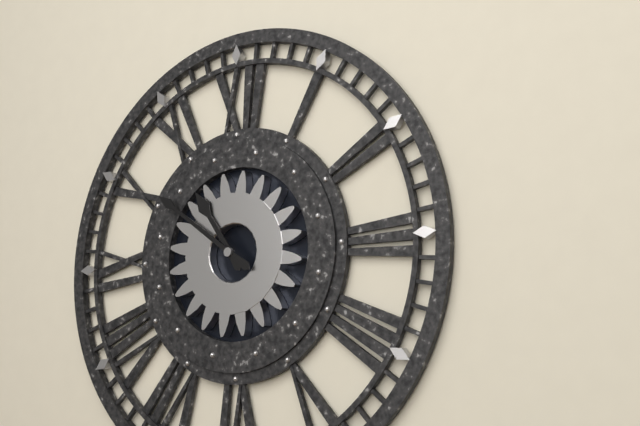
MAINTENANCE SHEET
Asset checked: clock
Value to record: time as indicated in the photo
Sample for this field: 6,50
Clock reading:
10,51
